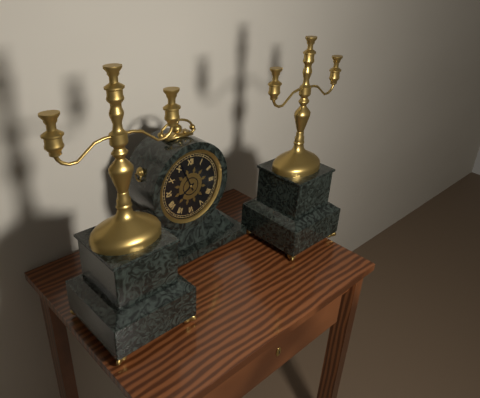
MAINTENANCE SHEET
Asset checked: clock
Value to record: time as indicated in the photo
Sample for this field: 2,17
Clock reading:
7,56
